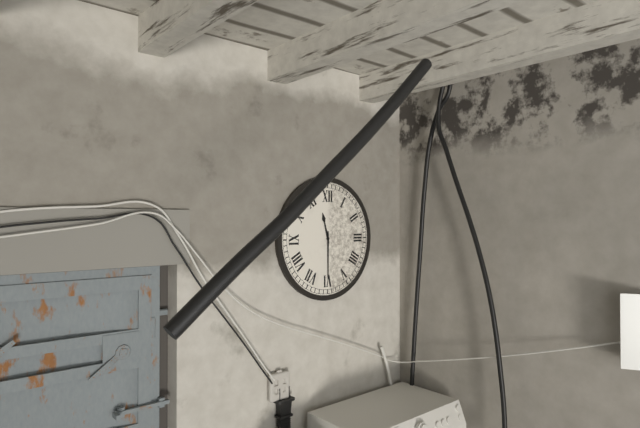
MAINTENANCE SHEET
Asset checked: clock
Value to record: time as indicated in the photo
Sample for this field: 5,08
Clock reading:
11,30
